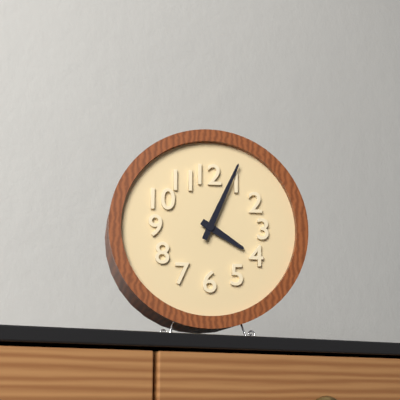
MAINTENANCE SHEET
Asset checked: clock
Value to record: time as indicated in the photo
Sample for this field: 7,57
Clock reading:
4,04
